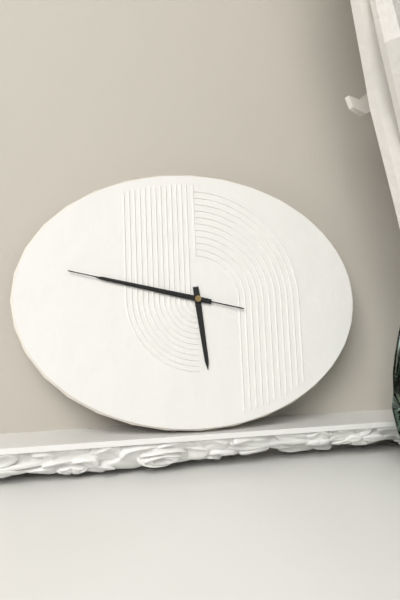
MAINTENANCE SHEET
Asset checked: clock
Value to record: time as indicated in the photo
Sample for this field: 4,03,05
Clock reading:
5,47,47
